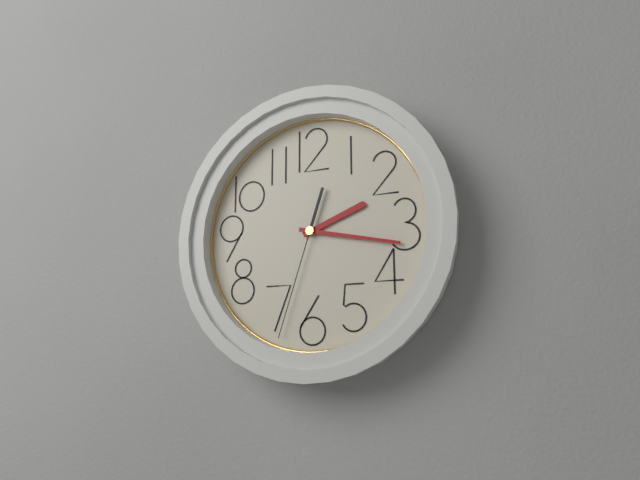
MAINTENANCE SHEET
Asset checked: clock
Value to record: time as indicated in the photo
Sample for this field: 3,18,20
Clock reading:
2,17,33
